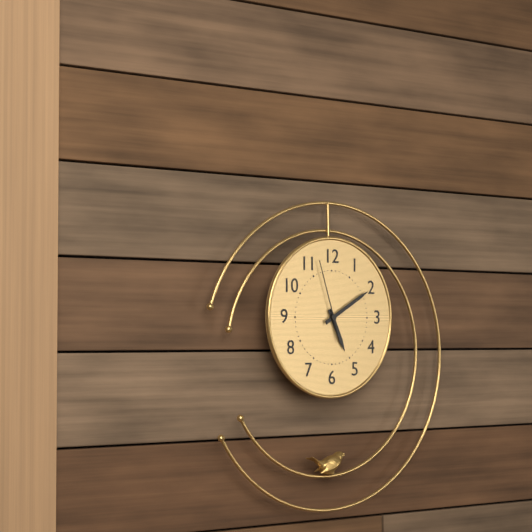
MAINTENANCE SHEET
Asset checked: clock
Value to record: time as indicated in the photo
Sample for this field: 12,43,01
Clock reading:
5,10,57
